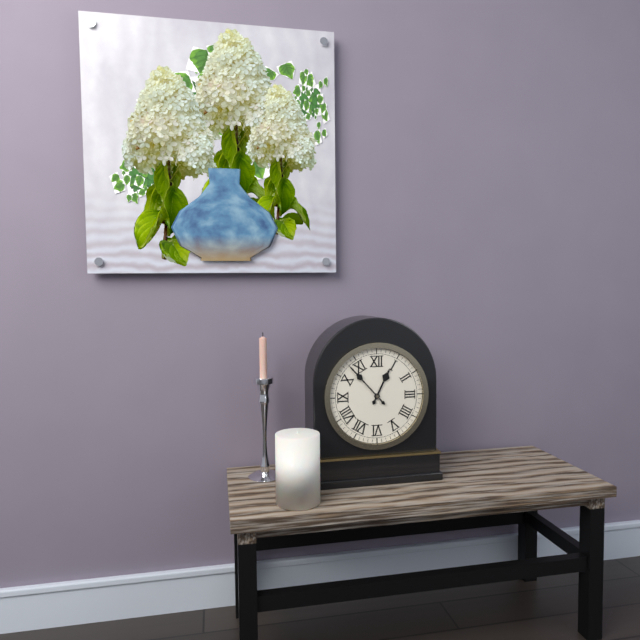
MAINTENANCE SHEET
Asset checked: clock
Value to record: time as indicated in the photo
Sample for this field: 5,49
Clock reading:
12,53
